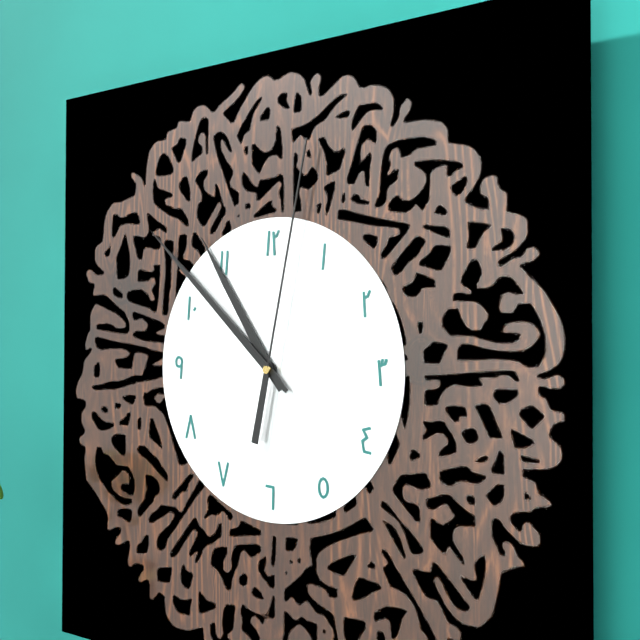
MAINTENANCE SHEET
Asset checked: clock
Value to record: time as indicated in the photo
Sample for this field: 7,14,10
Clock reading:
10,52,02
